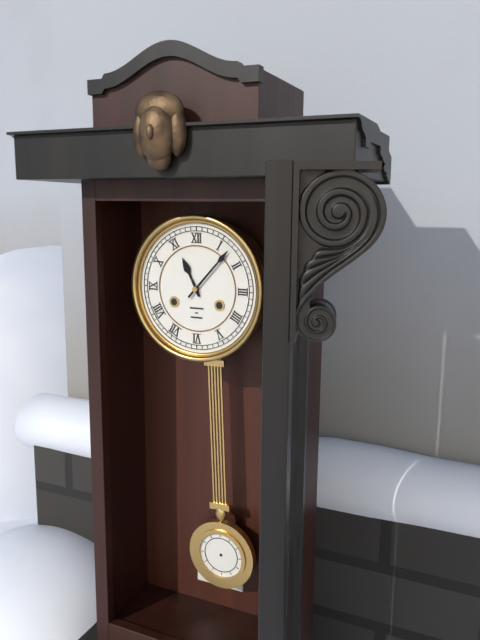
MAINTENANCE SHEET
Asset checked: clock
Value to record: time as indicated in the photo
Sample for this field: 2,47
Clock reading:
11,07
